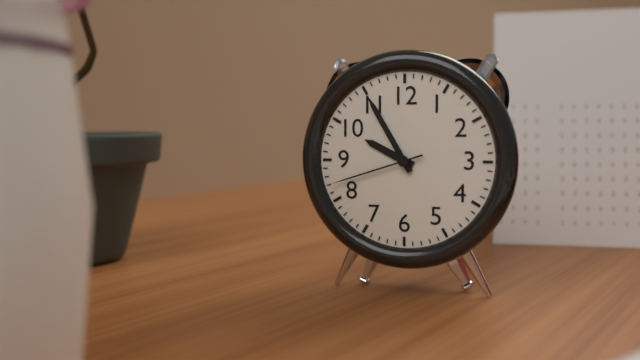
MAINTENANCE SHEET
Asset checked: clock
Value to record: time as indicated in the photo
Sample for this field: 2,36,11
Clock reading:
9,55,42
